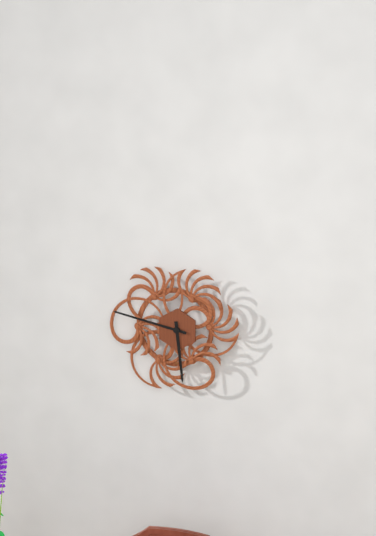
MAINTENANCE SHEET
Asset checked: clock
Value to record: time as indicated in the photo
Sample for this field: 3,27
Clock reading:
5,47
